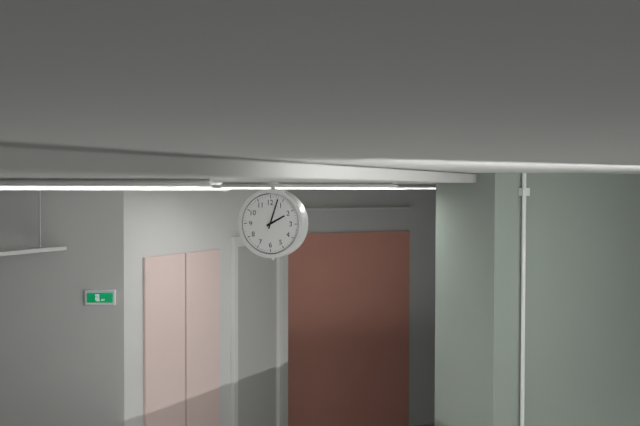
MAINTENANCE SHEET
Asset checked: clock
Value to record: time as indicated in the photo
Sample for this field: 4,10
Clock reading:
2,03
